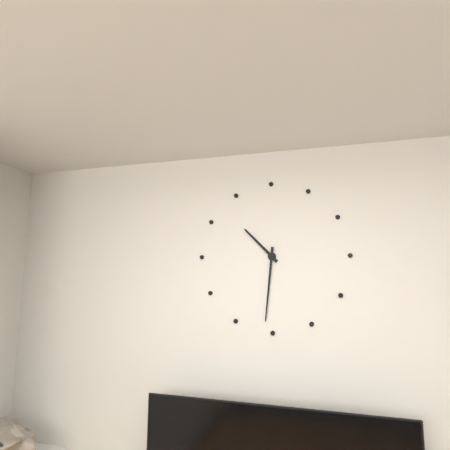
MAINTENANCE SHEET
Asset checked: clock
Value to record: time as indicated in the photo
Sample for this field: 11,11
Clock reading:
10,31
